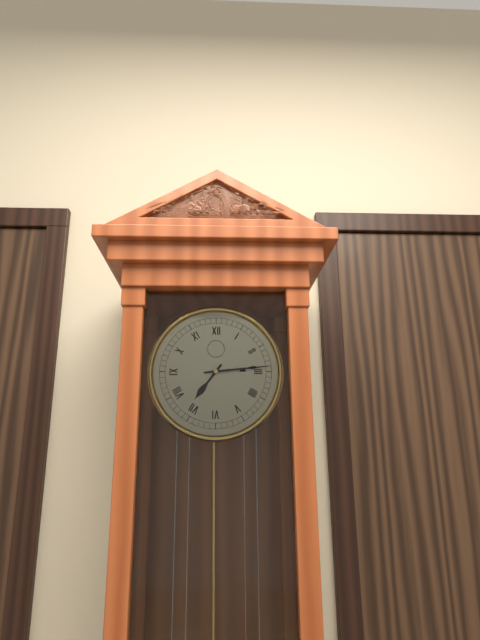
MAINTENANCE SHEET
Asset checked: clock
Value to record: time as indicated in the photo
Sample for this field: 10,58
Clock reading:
7,14
